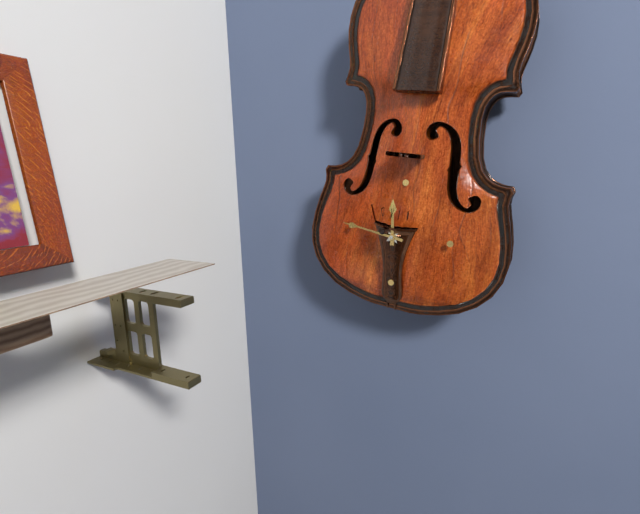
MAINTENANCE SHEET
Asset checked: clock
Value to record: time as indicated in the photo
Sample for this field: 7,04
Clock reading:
11,46
